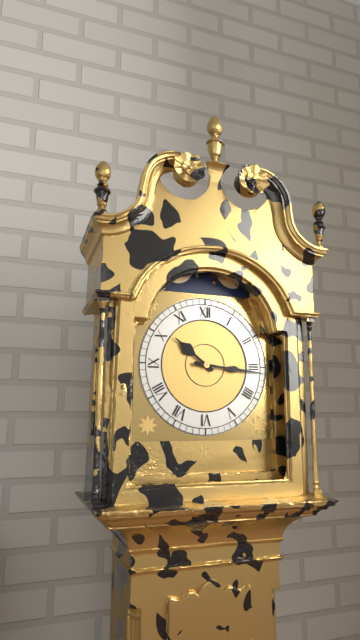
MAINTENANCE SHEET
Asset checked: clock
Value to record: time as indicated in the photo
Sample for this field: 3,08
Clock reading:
10,16
